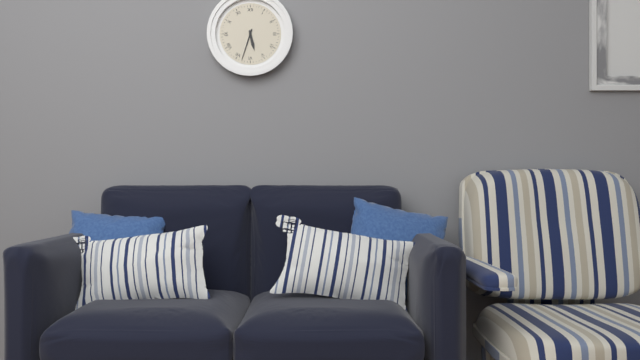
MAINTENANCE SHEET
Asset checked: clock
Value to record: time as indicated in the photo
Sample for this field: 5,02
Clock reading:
5,33
